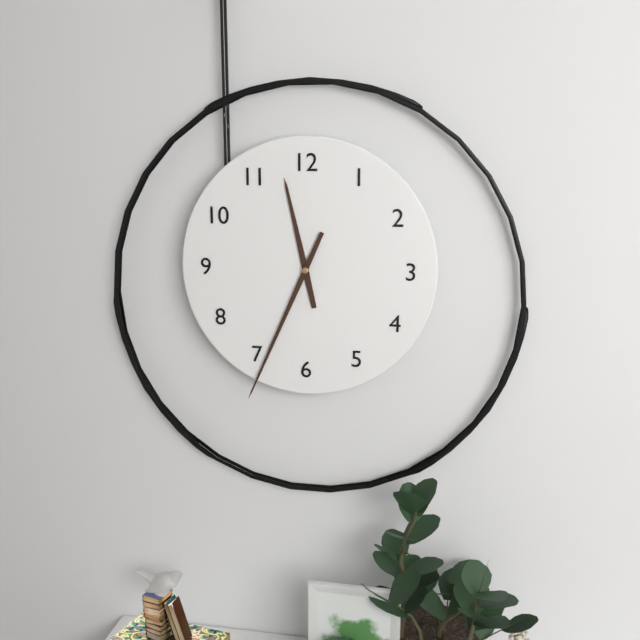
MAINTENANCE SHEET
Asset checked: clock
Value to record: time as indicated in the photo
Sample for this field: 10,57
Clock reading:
11,34
